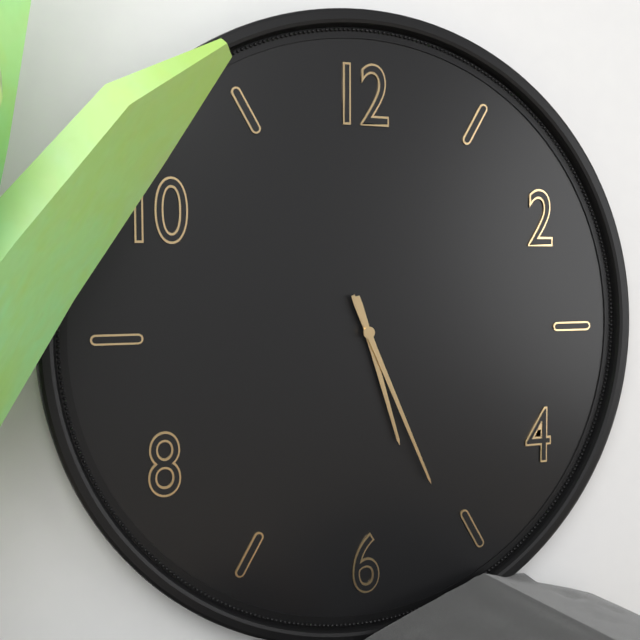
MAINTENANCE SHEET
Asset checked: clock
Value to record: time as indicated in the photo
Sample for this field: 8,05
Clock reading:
5,26
